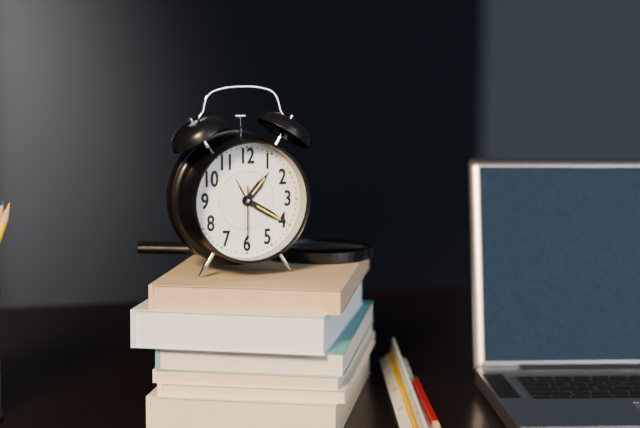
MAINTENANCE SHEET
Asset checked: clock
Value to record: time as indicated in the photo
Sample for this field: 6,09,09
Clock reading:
1,20,30
